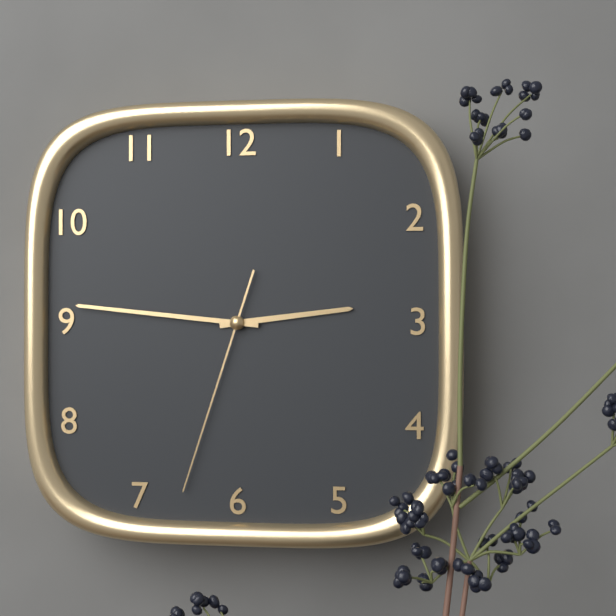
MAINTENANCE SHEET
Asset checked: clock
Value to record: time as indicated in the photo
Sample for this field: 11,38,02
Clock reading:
2,46,33
